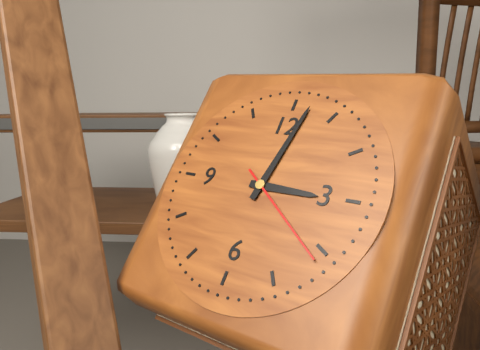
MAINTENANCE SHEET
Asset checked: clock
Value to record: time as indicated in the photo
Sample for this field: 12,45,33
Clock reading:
3,02,21
